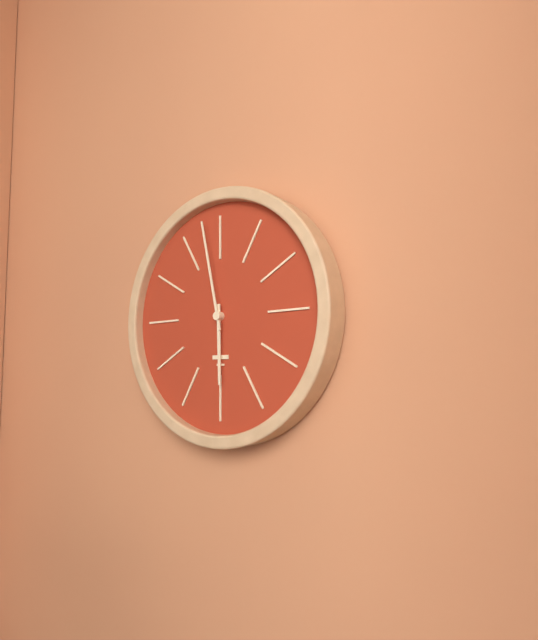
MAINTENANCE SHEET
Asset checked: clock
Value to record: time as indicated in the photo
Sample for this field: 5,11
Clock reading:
5,58
